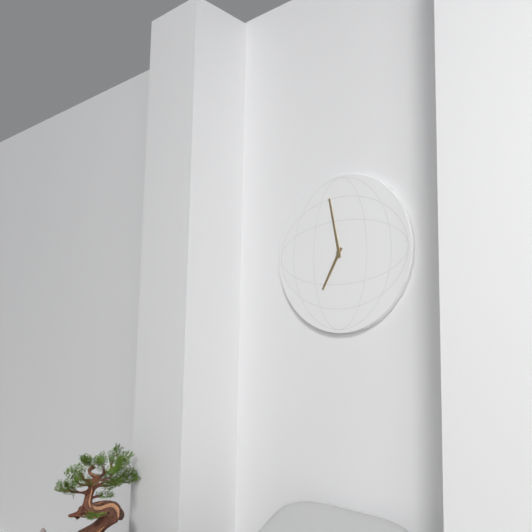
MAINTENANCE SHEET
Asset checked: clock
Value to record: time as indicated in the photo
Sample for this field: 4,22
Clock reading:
6,58
